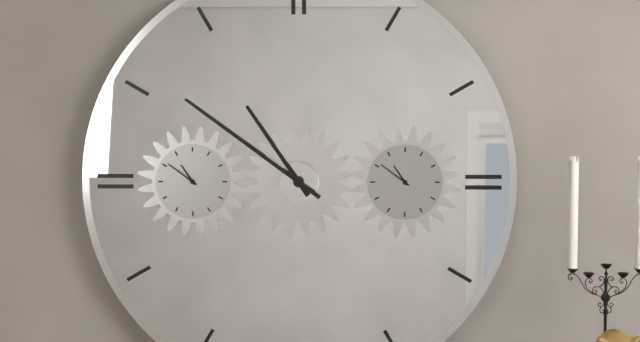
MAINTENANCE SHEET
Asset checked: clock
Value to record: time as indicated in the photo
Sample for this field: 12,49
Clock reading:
10,51
